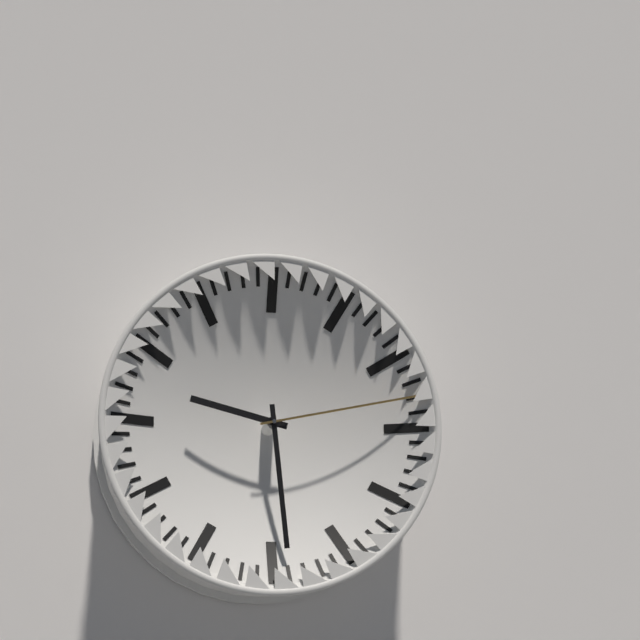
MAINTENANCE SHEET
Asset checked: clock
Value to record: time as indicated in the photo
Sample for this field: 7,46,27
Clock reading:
9,29,13
